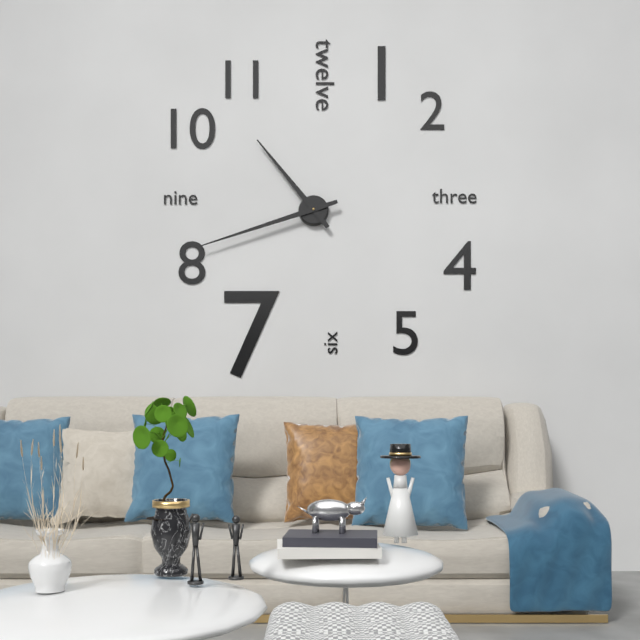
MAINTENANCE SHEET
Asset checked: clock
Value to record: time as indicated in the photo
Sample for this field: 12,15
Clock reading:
10,42
